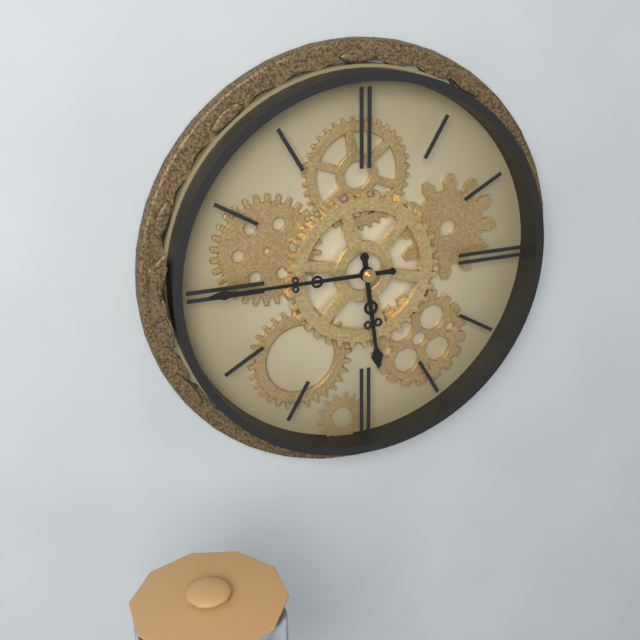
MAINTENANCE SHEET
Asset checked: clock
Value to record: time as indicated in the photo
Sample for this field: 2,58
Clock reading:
5,45
